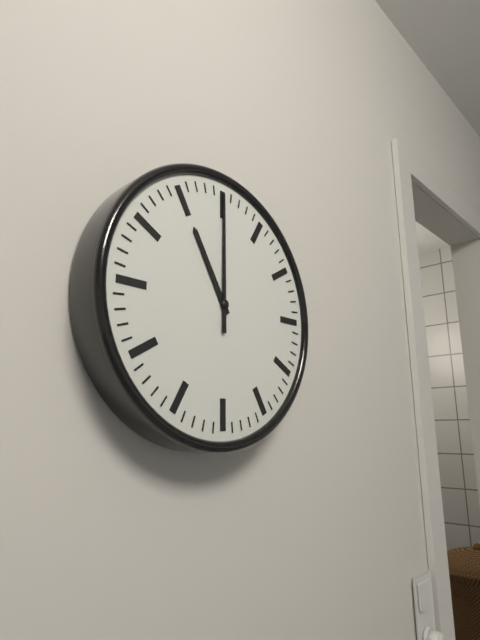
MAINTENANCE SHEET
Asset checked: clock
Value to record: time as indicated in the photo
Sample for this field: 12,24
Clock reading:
11,00
